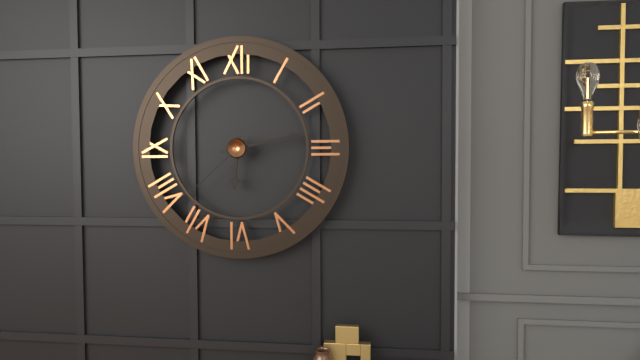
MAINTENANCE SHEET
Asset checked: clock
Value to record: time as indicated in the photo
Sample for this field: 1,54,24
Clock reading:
6,13,38
